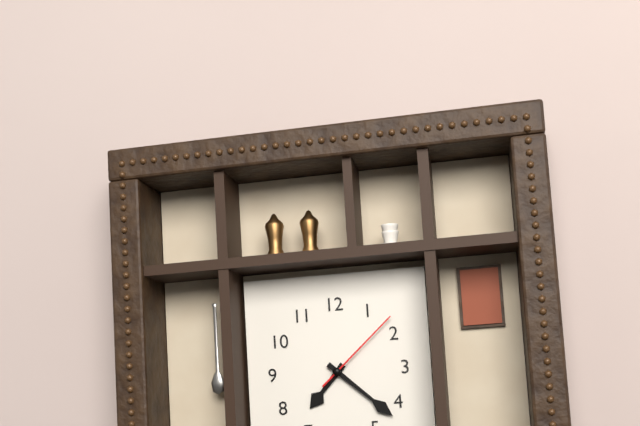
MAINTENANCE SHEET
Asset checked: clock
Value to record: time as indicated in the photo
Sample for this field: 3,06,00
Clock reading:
7,22,08
